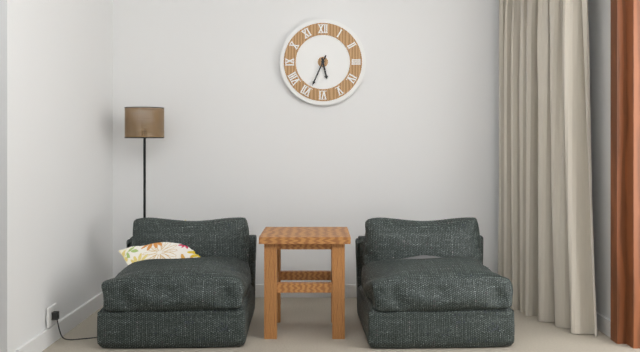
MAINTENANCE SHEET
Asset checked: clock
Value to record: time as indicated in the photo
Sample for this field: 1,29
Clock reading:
5,34
